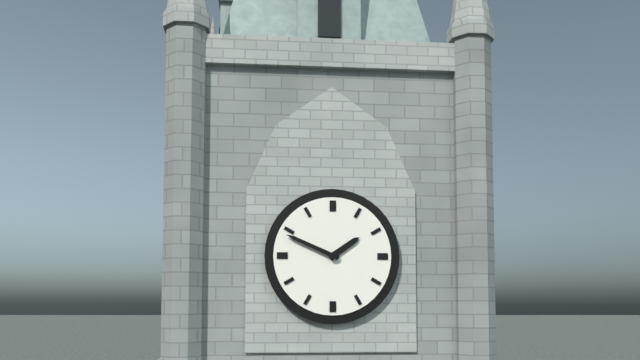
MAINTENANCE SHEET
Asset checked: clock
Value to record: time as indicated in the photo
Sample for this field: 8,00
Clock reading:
1,49
